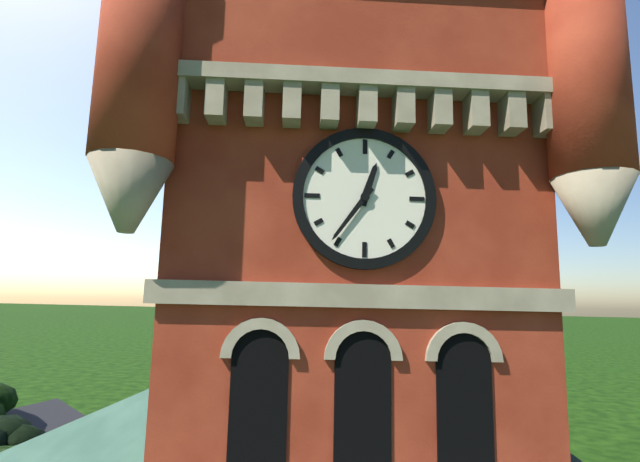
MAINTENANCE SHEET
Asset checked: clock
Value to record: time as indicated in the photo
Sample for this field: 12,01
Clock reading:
12,36
